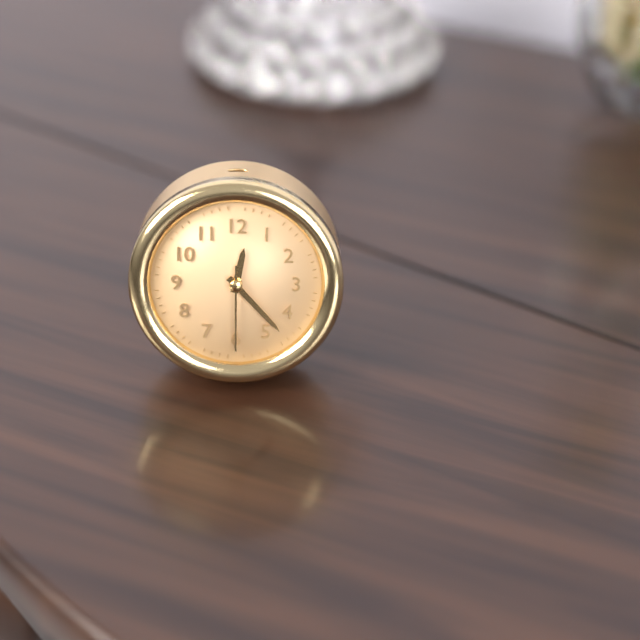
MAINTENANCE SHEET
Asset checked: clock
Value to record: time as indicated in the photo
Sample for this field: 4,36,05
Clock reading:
12,23,30
